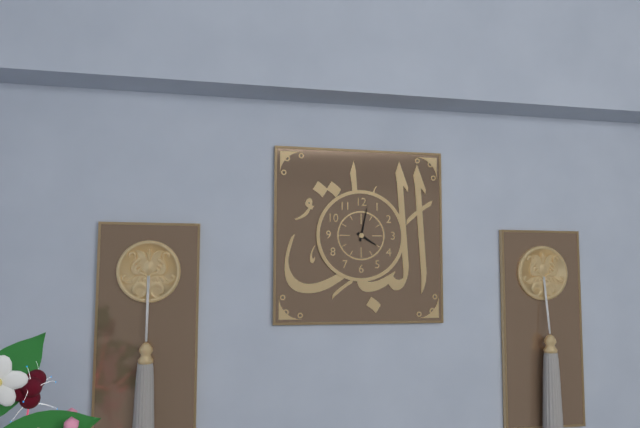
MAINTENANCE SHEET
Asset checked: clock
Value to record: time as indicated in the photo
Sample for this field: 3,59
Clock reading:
4,02
